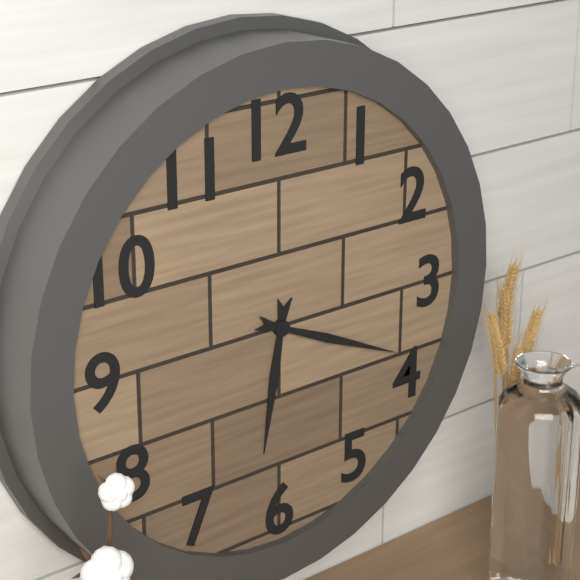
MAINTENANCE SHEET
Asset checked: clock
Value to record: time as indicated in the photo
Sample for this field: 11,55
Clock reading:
6,19
